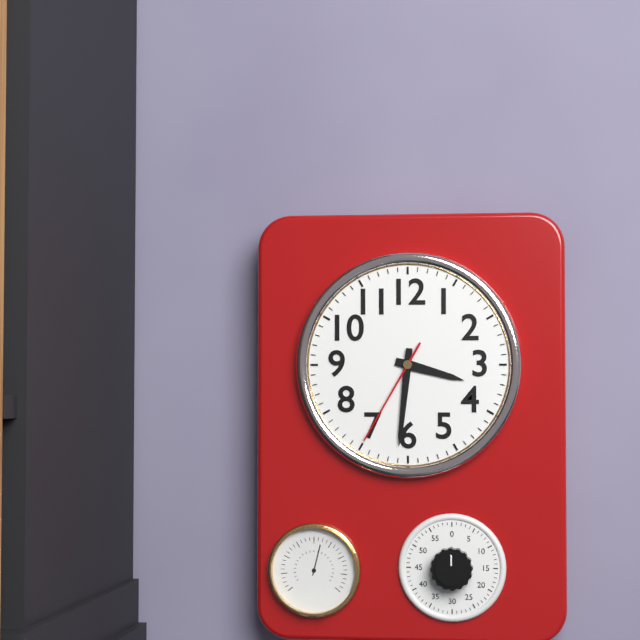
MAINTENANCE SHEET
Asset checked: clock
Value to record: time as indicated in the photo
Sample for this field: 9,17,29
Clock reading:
3,31,35
